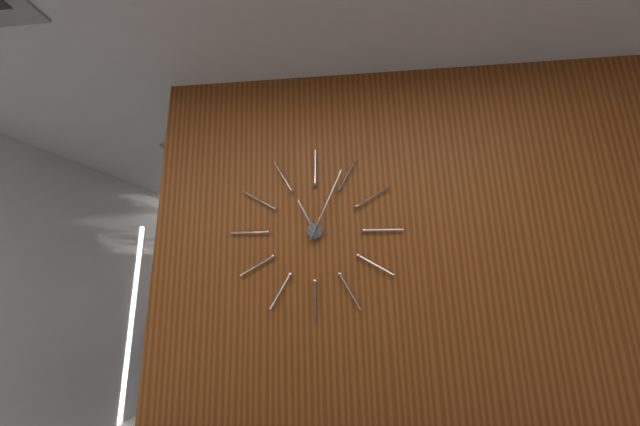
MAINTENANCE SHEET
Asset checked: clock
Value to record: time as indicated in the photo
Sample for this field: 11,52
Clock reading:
11,04
